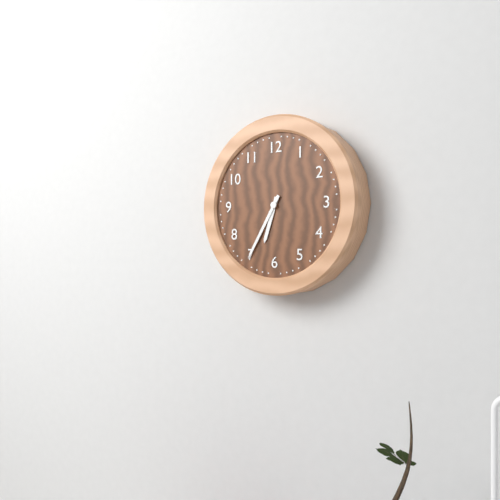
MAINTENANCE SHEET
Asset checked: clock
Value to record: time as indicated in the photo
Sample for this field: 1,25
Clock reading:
6,35
